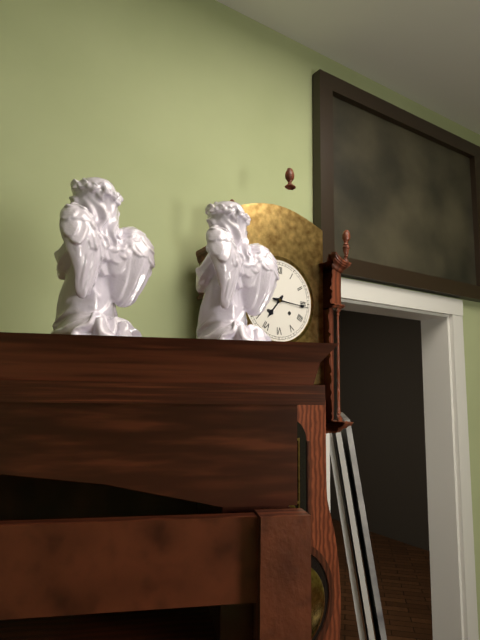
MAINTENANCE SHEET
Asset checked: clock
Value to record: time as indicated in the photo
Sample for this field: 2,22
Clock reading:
7,16
